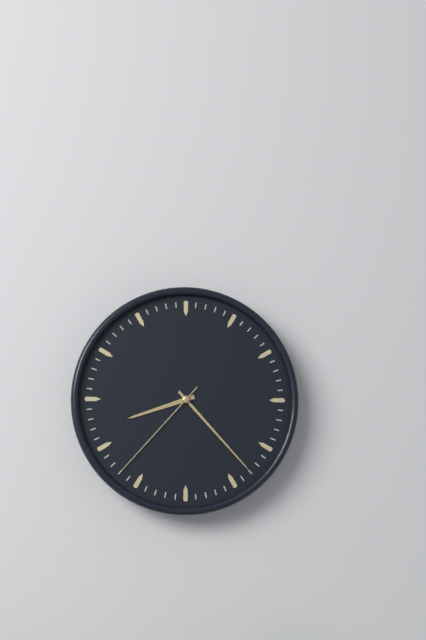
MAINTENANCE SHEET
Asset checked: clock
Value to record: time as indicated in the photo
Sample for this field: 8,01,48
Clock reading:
8,23,37
